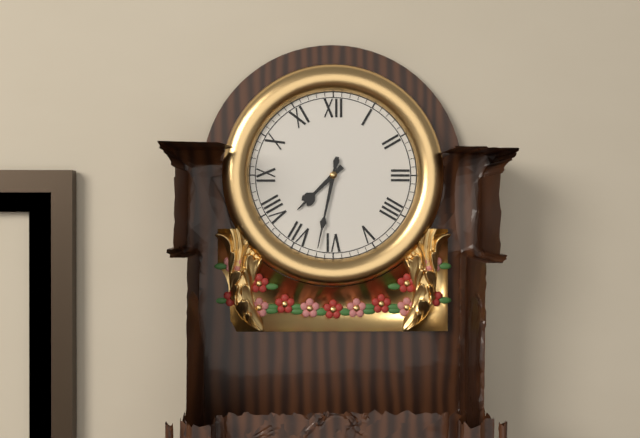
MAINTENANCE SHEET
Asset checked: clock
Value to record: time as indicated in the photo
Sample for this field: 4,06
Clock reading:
7,32
